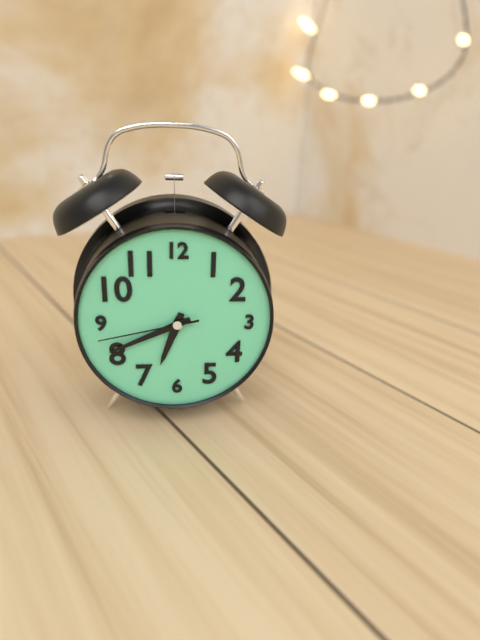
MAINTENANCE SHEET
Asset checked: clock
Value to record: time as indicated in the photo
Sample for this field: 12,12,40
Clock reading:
6,41,43
